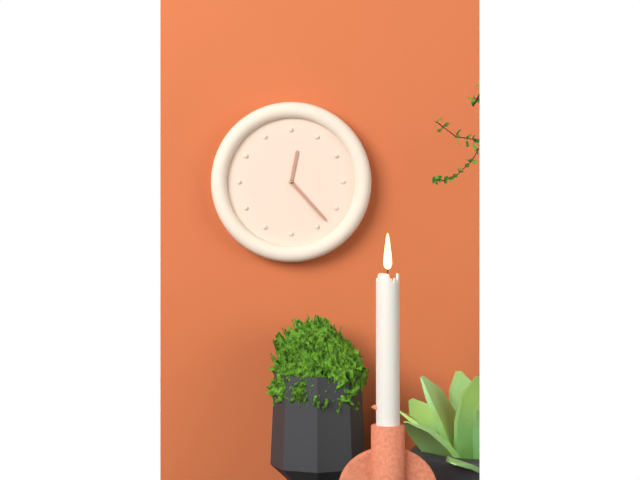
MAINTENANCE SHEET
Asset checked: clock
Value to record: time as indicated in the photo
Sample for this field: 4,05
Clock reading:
12,23
